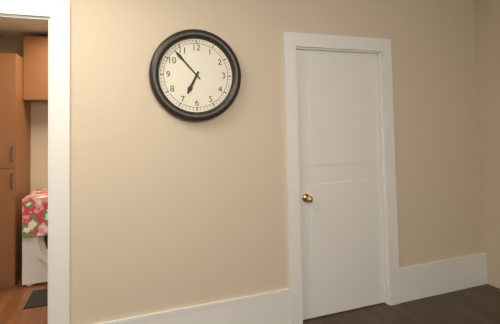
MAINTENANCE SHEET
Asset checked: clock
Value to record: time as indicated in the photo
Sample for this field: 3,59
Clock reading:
6,53
